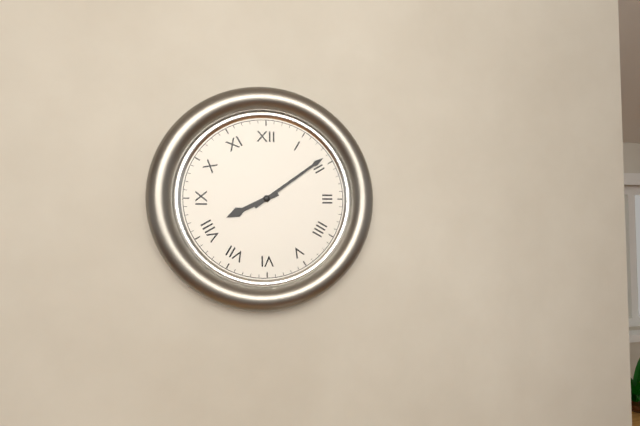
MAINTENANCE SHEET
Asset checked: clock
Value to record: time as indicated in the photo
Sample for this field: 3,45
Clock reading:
8,09
